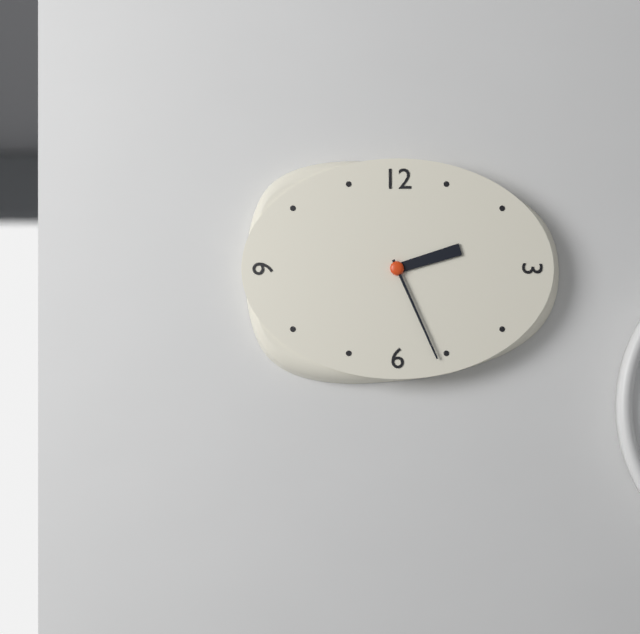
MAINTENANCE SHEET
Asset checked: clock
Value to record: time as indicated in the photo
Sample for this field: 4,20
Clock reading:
2,26
